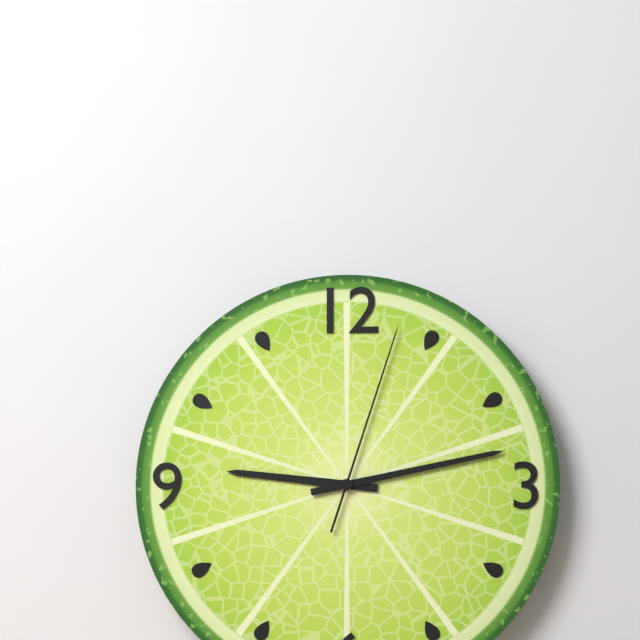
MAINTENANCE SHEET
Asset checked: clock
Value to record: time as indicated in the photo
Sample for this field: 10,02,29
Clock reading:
9,13,03
